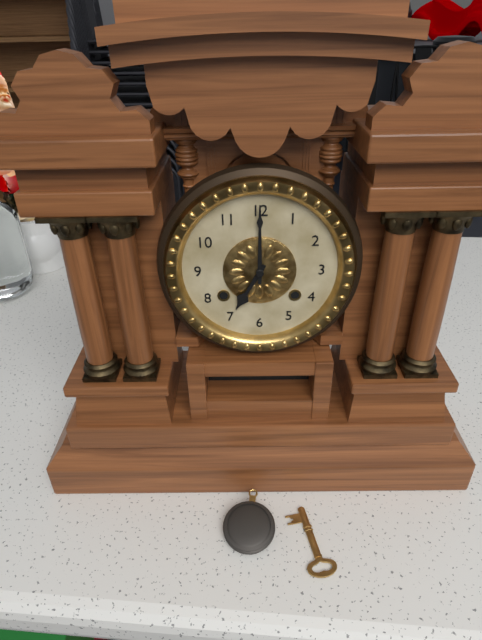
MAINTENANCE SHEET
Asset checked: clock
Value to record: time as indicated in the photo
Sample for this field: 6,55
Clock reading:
7,00
